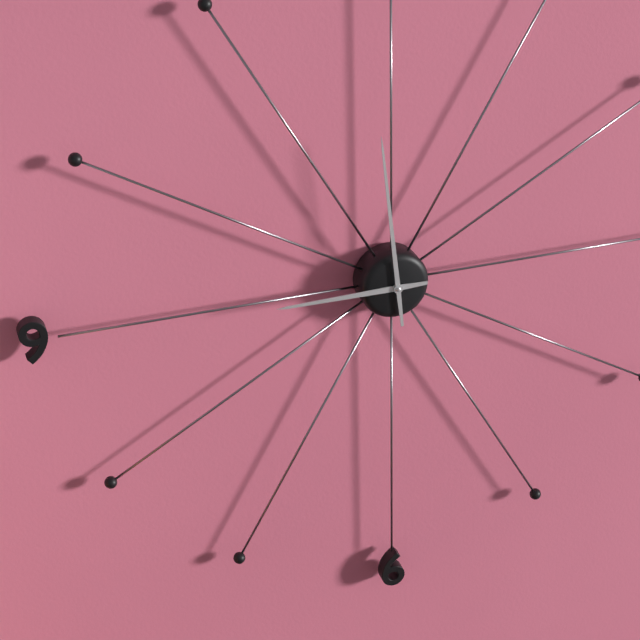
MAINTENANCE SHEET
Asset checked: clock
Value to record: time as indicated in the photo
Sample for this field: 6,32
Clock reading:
8,59
